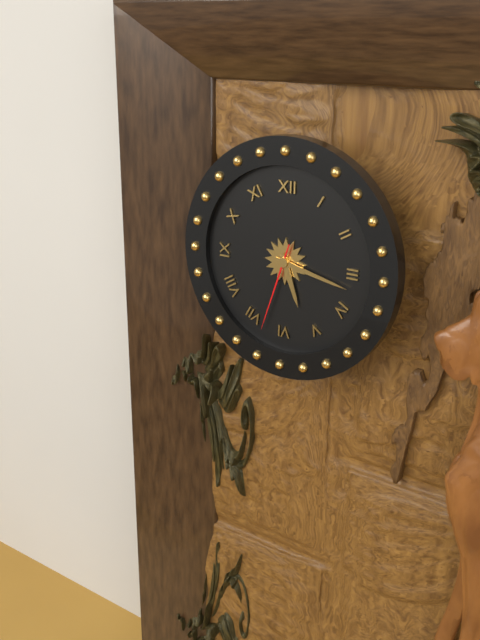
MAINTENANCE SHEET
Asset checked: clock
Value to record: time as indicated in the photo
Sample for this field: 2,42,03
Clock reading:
5,17,33
